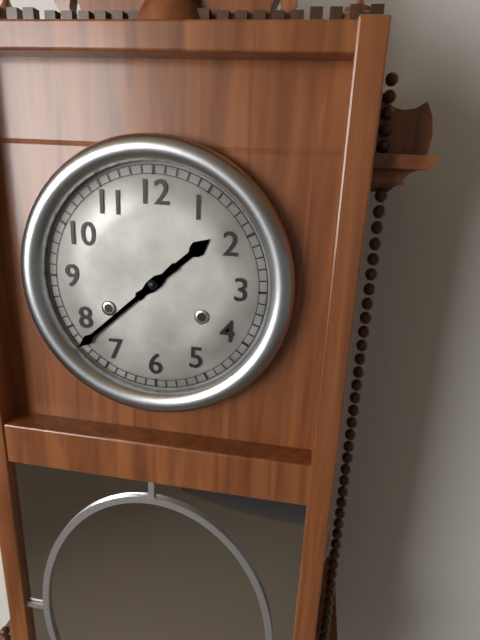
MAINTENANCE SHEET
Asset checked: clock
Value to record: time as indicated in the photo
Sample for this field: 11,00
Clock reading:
1,38
